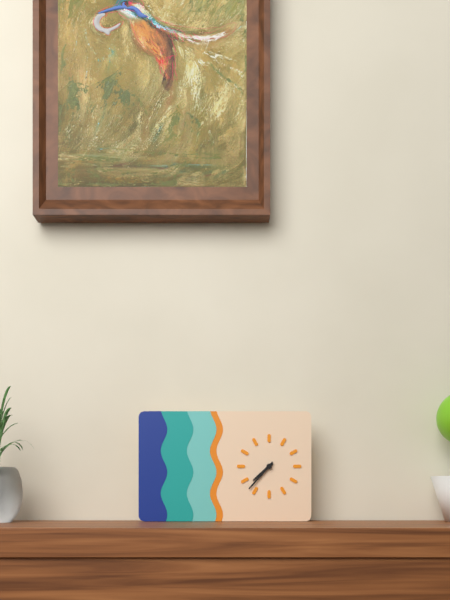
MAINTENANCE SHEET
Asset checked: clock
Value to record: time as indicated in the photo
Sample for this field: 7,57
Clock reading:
7,37
